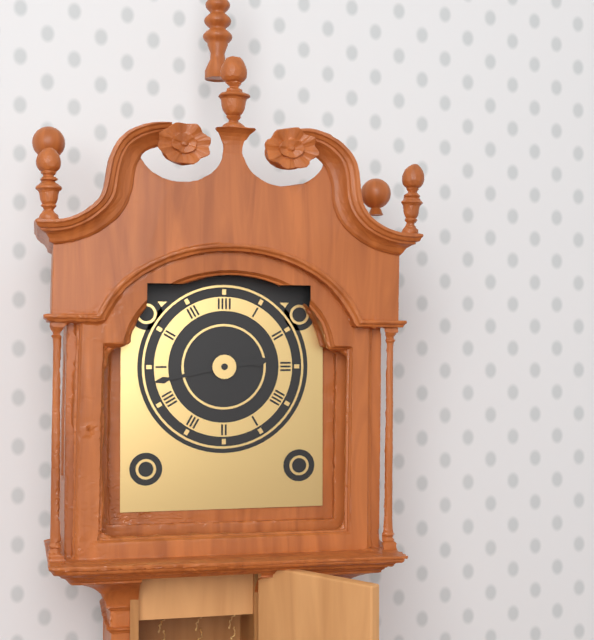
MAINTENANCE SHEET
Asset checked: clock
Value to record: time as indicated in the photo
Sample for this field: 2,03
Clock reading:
2,43
